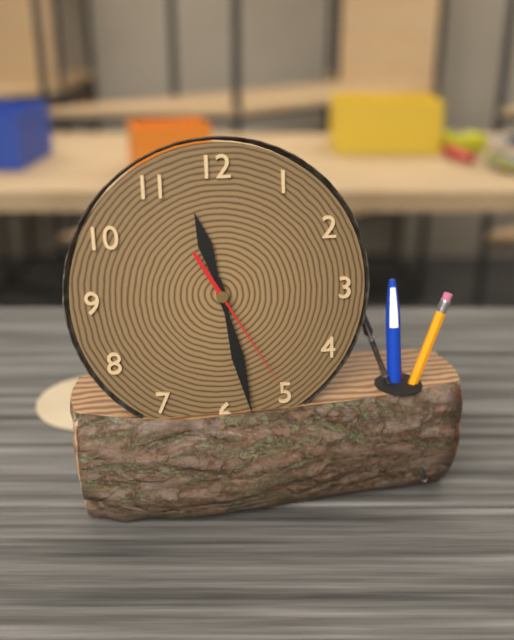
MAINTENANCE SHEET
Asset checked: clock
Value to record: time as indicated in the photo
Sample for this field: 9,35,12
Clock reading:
11,28,25
